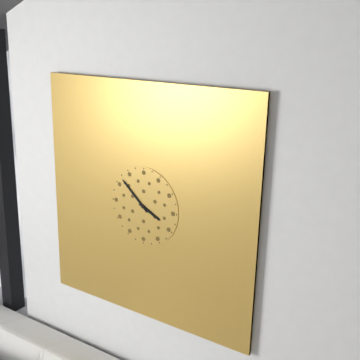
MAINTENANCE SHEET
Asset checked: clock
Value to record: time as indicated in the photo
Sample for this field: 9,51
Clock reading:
3,52
